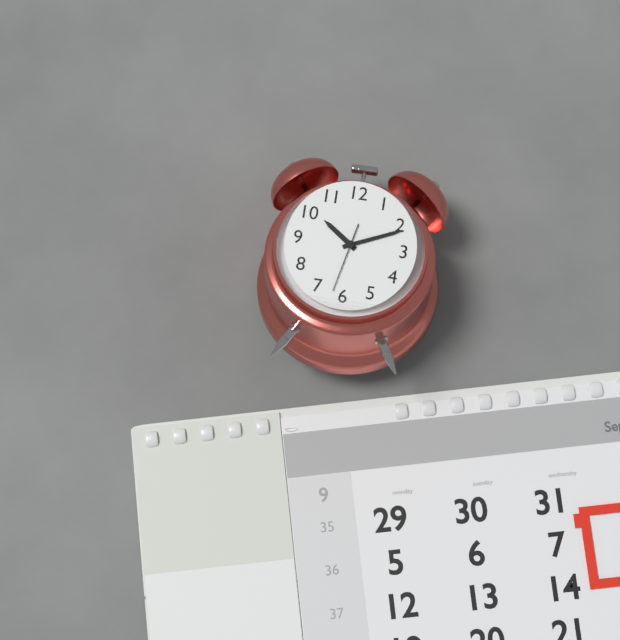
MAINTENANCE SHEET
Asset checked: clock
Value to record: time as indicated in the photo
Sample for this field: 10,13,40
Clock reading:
10,11,32
